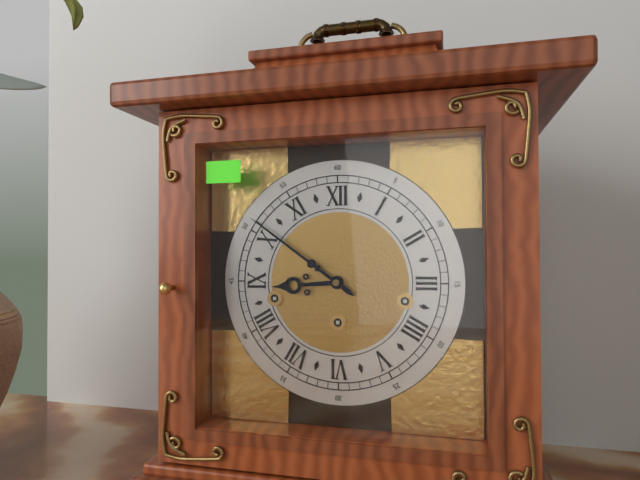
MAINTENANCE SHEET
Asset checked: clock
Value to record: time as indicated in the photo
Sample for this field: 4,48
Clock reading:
8,51
